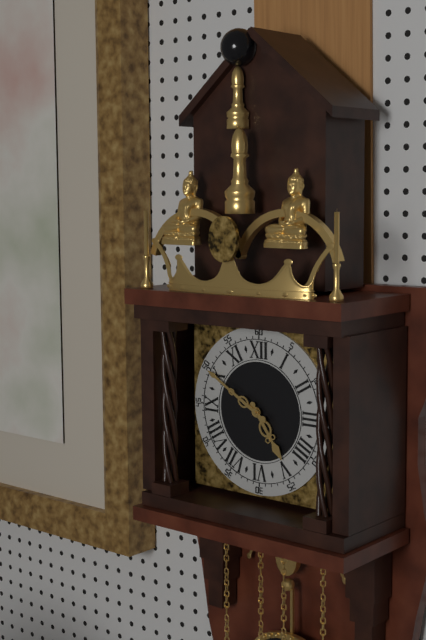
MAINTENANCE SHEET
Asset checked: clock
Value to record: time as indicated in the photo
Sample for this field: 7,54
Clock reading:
4,50
